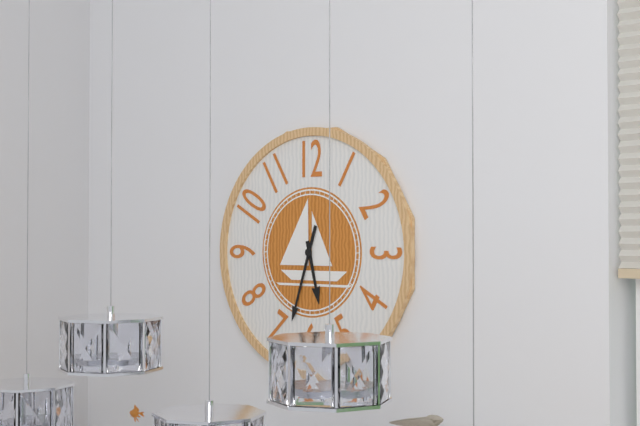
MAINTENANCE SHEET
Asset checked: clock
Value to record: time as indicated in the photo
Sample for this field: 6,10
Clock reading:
5,33
